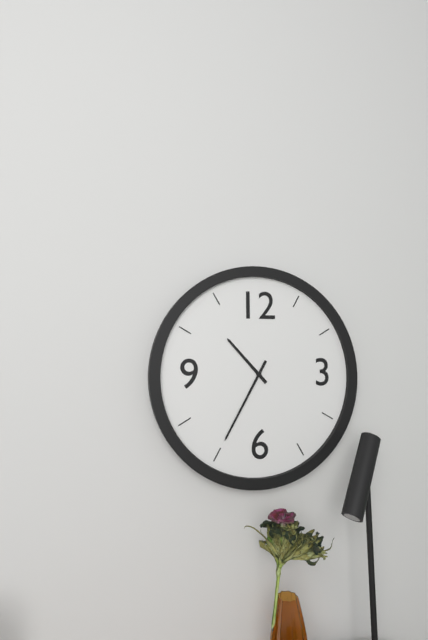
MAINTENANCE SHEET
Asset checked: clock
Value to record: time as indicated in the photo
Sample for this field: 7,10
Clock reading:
10,35
